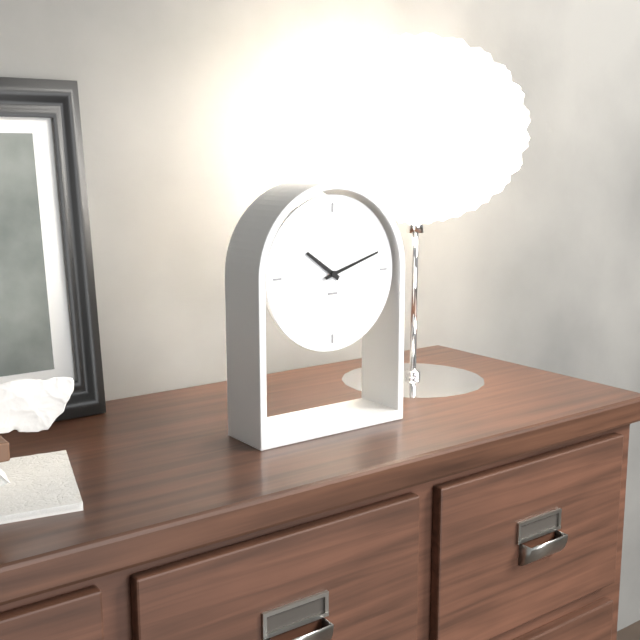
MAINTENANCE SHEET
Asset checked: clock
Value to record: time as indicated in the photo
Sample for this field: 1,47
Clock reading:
10,12
